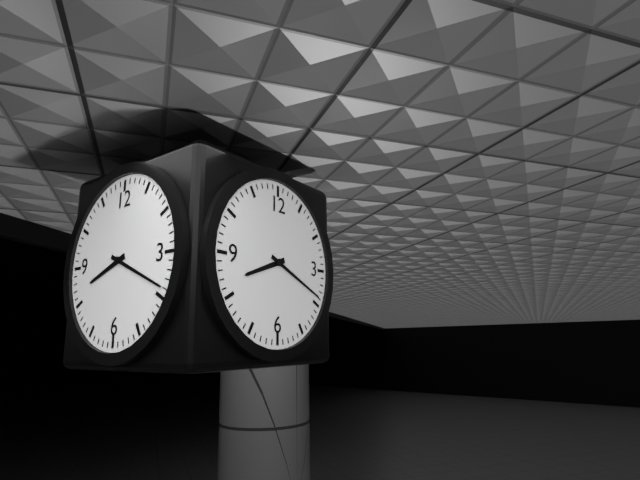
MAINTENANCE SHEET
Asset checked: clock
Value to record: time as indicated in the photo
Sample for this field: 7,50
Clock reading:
8,19
